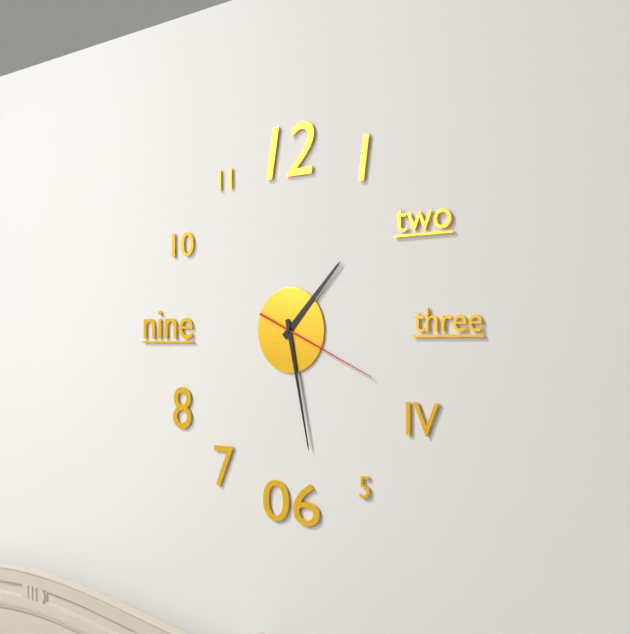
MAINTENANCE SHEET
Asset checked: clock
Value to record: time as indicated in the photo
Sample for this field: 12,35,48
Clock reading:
1,28,19
